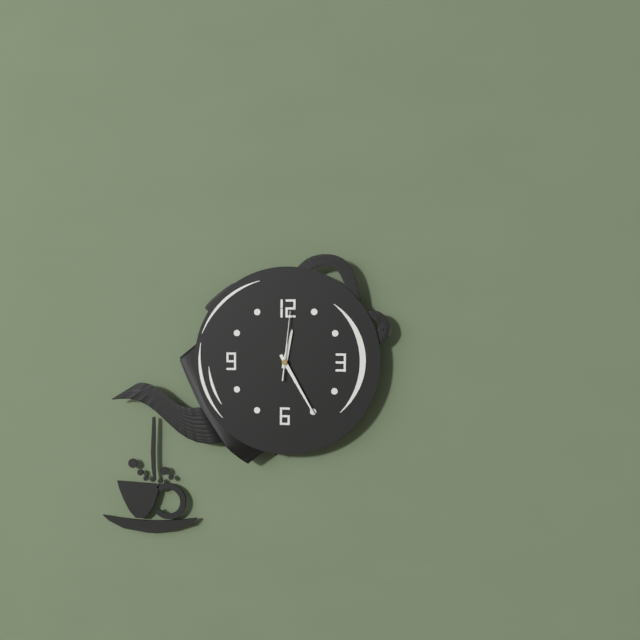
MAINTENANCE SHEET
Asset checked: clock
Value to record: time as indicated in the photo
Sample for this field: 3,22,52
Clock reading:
12,25,01
